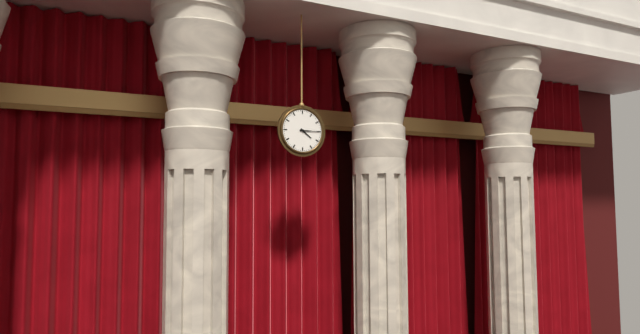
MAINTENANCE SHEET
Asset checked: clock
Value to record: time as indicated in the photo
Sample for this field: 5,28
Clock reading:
4,15
